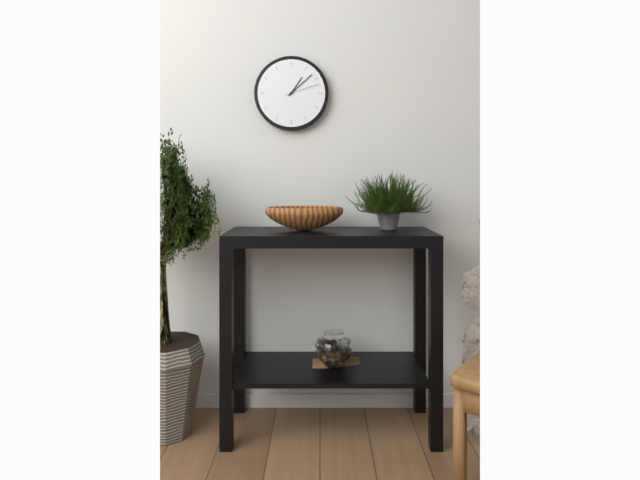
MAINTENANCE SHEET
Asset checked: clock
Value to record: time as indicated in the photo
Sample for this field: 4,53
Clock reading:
1,08
